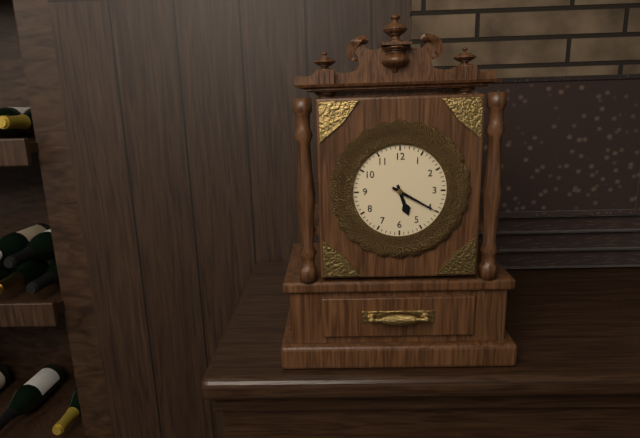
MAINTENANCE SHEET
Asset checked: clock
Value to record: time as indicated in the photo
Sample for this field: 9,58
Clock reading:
5,20
